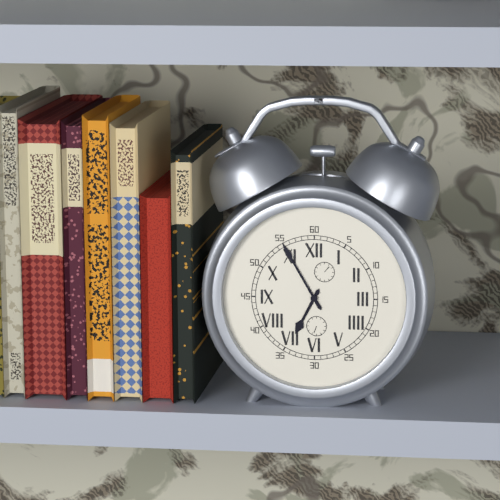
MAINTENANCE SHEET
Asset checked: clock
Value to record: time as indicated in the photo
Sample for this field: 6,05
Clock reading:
6,55
